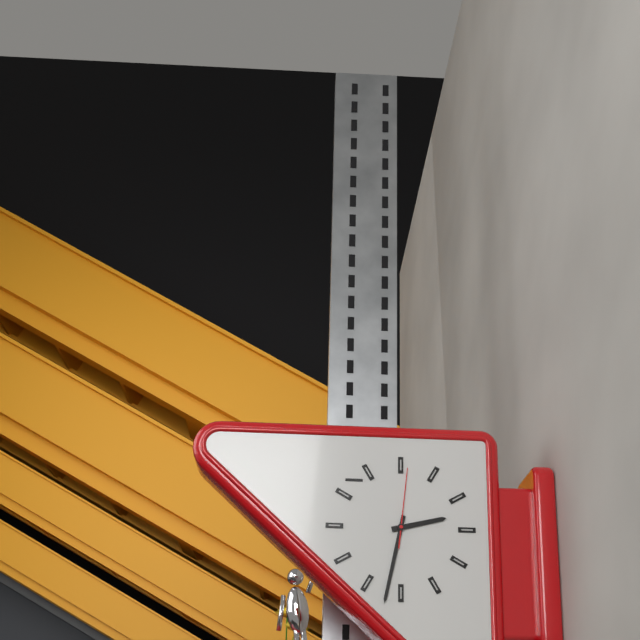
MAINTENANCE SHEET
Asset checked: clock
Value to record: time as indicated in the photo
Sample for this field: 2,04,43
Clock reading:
2,32,01
